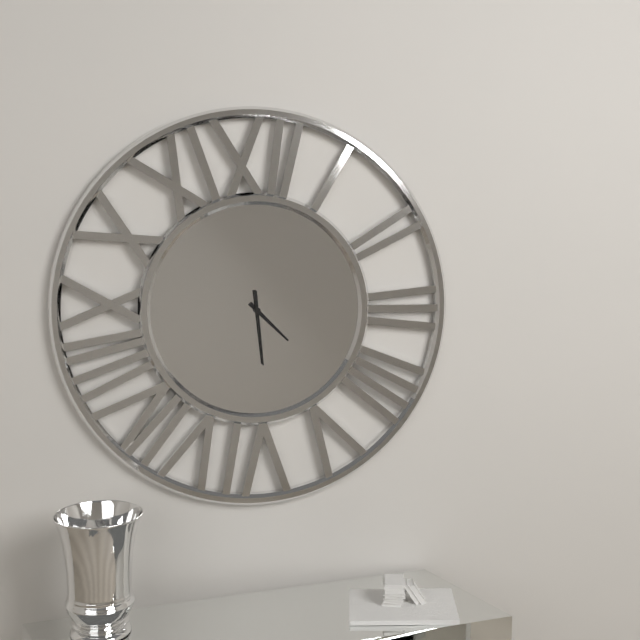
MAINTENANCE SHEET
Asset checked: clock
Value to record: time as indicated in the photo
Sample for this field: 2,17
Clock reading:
4,29
